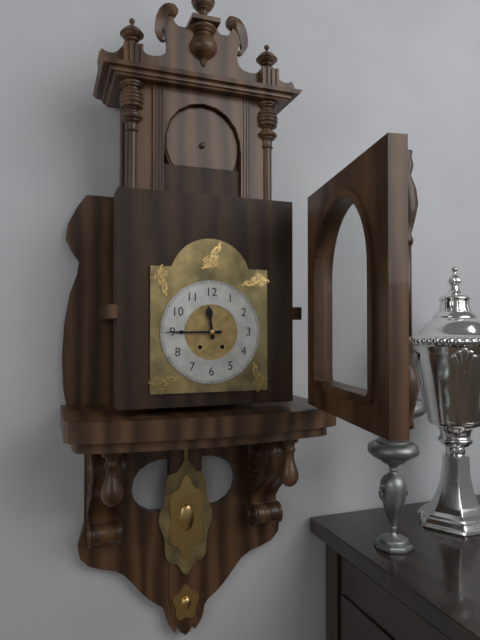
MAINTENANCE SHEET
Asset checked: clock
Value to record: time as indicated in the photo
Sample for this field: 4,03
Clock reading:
11,45
